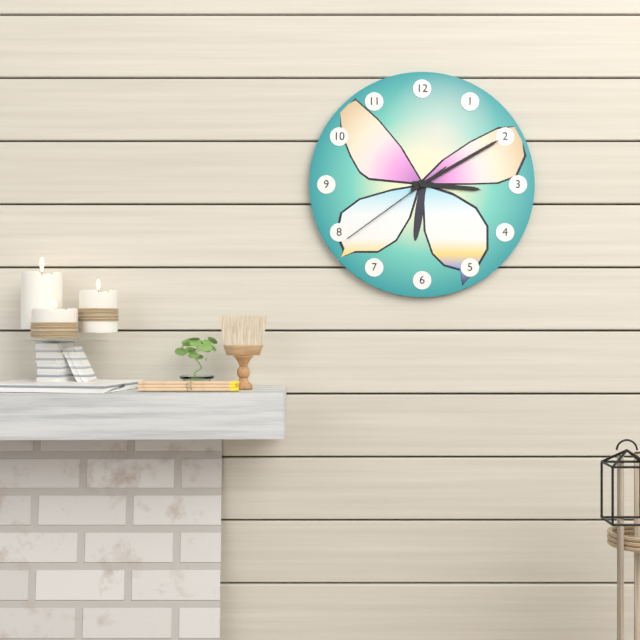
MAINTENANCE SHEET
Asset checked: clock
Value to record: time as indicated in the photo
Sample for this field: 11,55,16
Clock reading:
3,10,39
